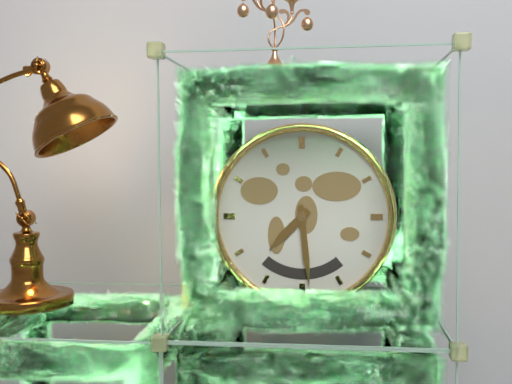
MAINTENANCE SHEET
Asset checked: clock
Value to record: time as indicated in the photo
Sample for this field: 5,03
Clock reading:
7,29
